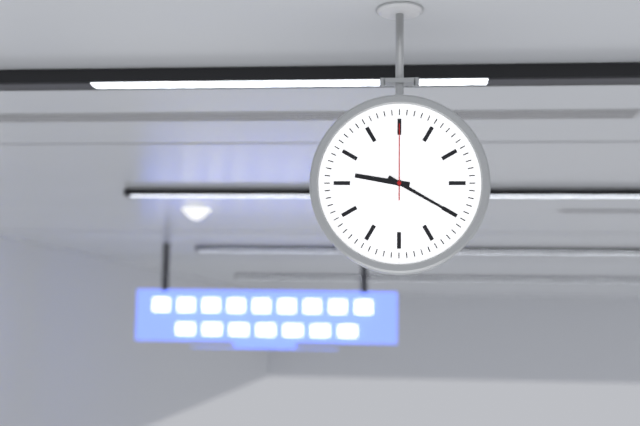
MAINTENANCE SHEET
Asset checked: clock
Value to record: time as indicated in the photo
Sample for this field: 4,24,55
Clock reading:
9,20,00
